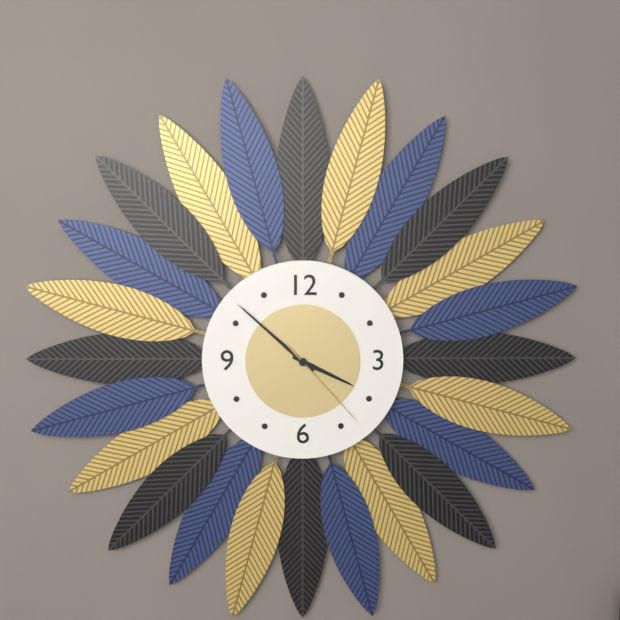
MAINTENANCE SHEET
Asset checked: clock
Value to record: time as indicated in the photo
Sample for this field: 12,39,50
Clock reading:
3,52,23
